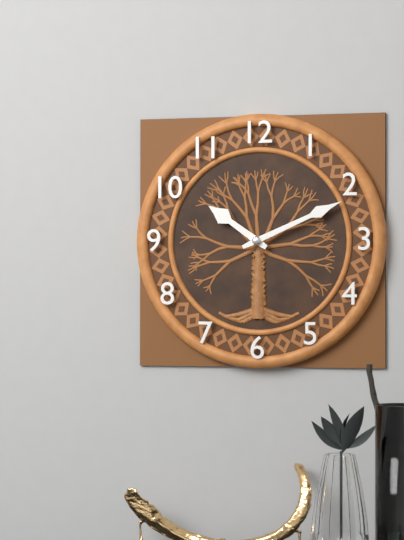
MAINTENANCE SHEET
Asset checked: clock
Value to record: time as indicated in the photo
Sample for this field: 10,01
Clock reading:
10,11
